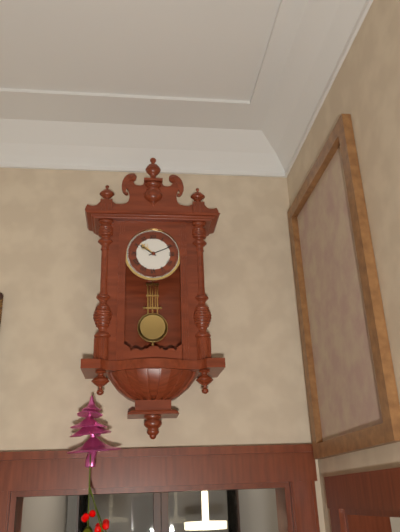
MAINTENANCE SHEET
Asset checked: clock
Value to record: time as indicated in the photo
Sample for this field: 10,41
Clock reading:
10,11
